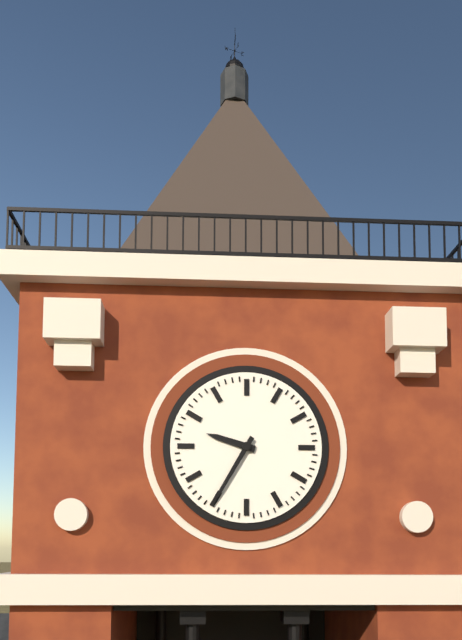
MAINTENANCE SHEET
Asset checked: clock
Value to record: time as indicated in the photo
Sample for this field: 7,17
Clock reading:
9,35
